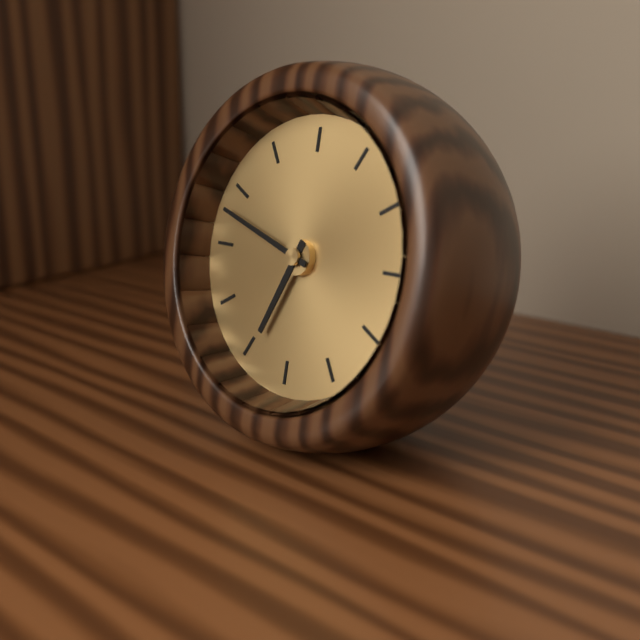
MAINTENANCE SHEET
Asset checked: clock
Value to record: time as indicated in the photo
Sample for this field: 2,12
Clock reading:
6,48
